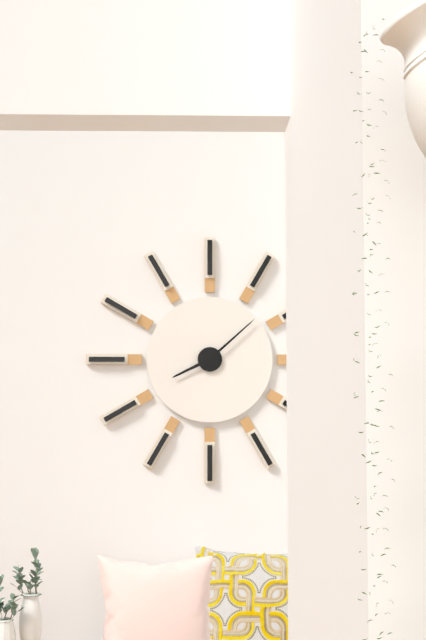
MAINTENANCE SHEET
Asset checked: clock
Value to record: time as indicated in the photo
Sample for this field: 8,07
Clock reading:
8,08
